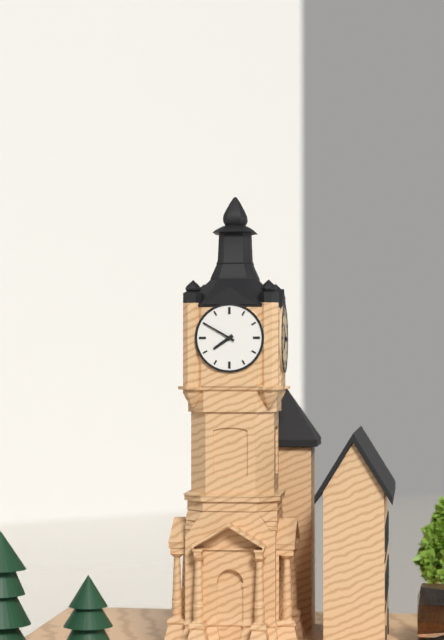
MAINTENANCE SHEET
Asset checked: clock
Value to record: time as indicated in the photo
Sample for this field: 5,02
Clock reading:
7,50
